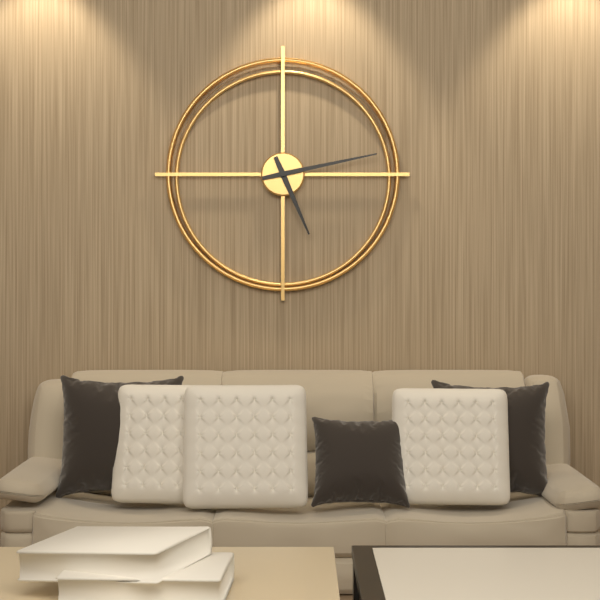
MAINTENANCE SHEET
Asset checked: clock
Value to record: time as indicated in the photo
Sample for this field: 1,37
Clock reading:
5,13
